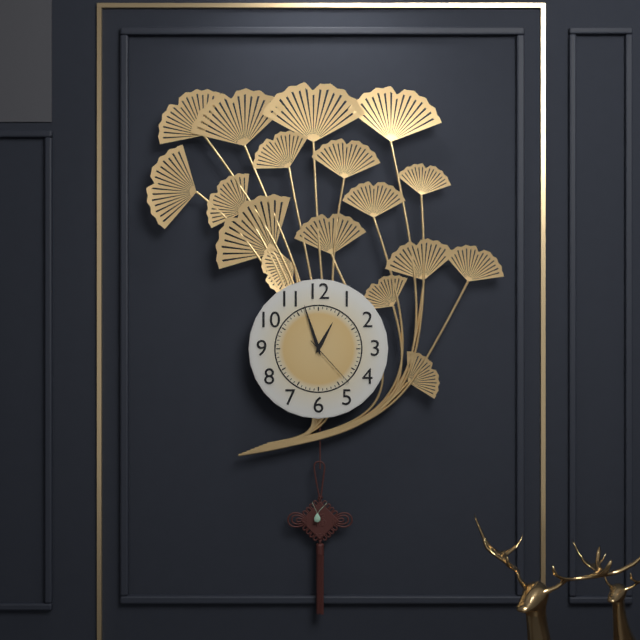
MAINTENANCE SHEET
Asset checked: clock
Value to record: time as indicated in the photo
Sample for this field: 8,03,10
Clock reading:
12,57,23
